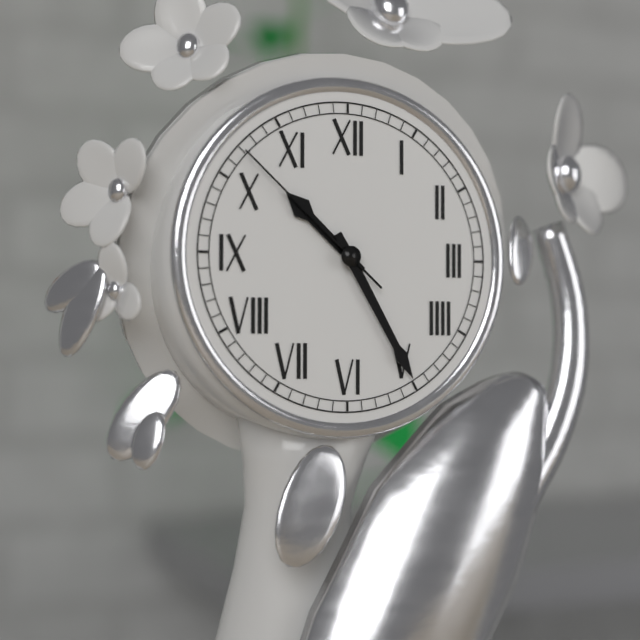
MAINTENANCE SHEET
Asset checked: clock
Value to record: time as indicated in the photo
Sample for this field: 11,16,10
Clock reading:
10,25,52
